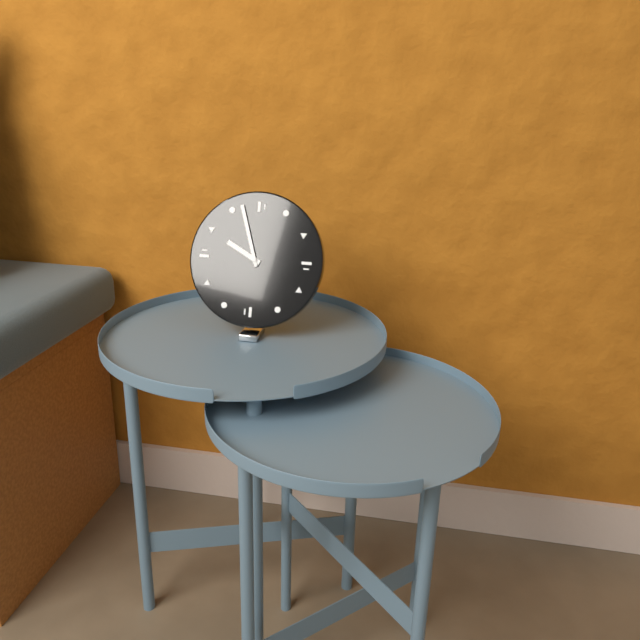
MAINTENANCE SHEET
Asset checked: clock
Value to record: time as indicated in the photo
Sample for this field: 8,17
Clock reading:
9,57
